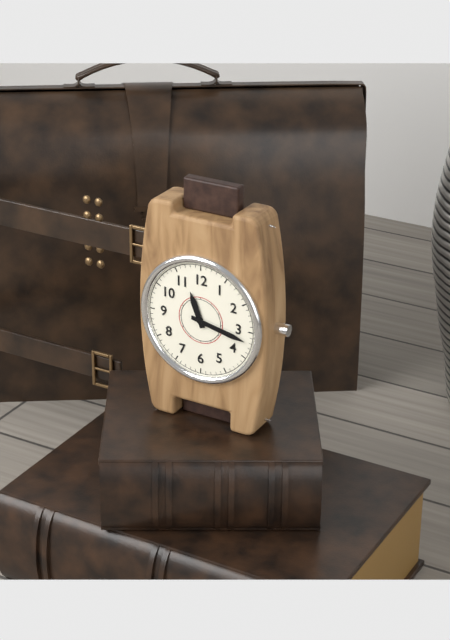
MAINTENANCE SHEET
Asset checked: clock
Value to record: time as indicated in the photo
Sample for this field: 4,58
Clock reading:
11,17
